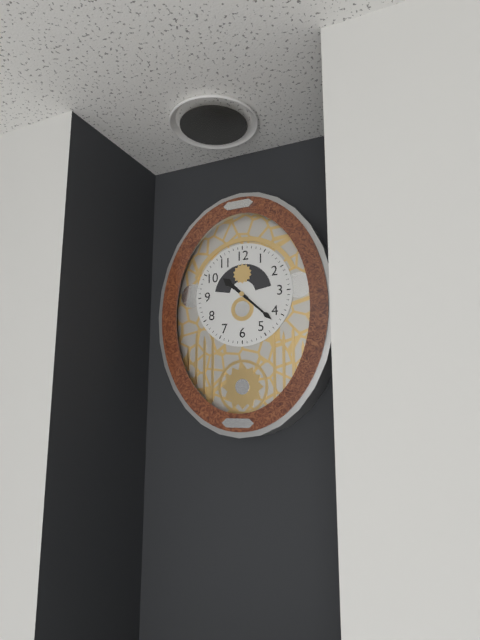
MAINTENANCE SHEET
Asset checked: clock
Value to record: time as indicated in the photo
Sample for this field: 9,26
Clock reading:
10,22
